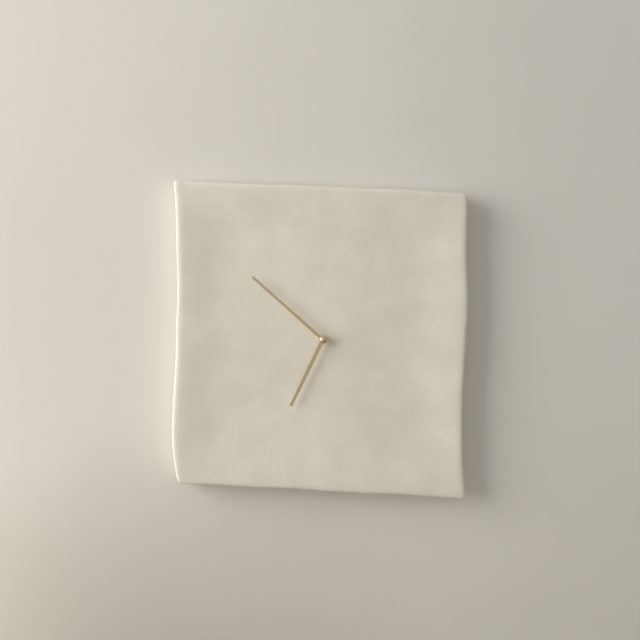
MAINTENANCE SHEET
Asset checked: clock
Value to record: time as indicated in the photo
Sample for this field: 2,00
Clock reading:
6,52
